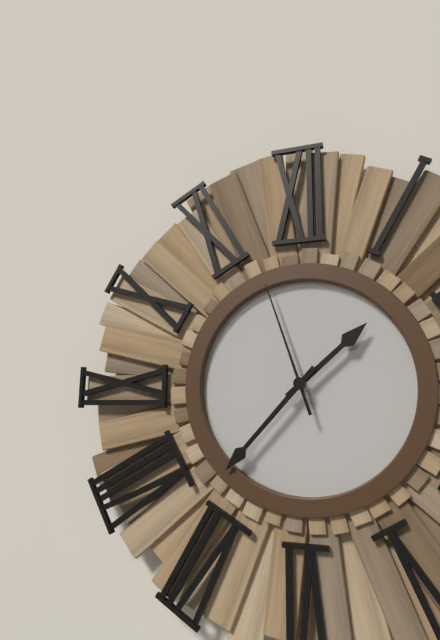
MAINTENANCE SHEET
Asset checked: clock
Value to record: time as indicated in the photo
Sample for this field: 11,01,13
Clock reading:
1,37,57
